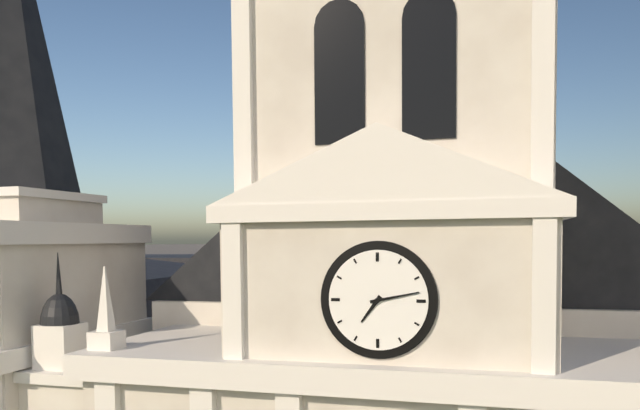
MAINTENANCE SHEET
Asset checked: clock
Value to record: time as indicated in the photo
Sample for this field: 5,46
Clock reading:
7,13
